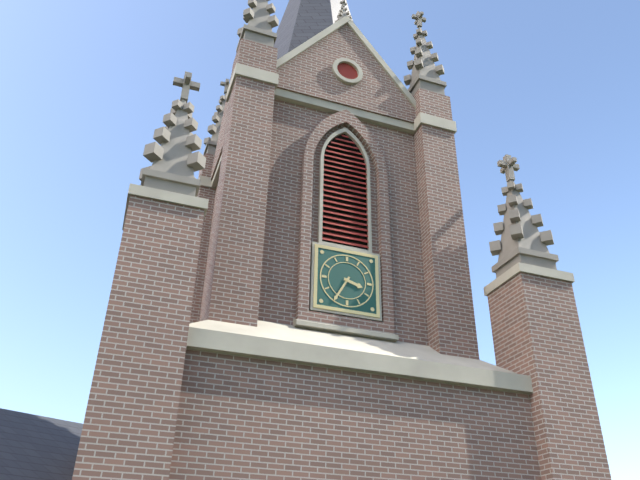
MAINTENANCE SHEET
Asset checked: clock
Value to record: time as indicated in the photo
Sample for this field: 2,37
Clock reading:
3,35
